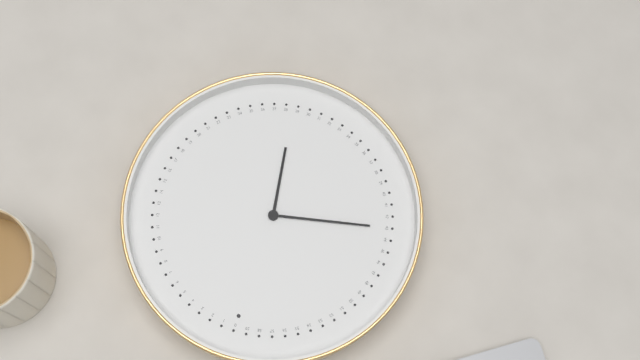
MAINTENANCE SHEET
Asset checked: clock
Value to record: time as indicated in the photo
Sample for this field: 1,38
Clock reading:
5,43
